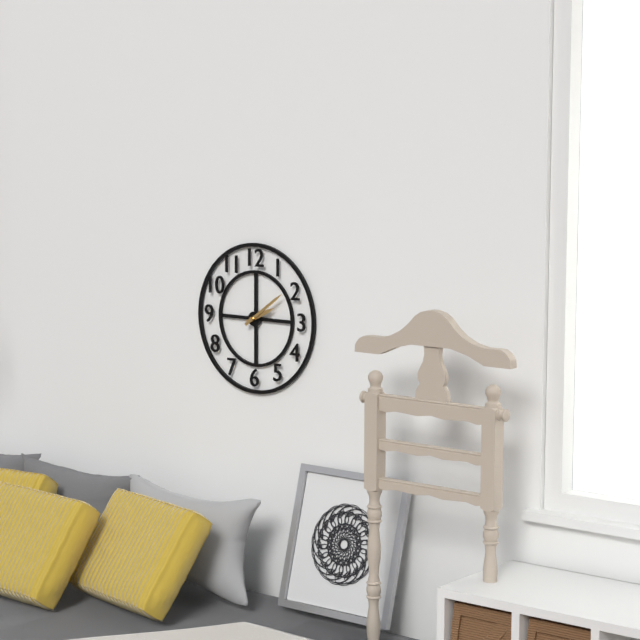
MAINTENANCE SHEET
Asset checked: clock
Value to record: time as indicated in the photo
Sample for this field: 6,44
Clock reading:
2,09
